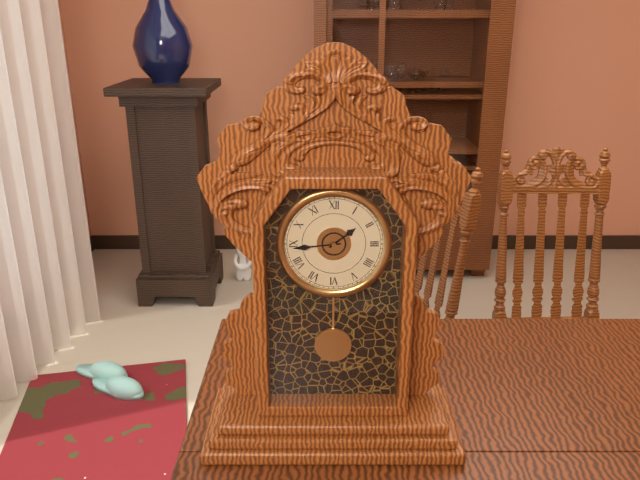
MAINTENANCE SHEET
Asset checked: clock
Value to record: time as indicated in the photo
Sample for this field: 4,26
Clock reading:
1,44
